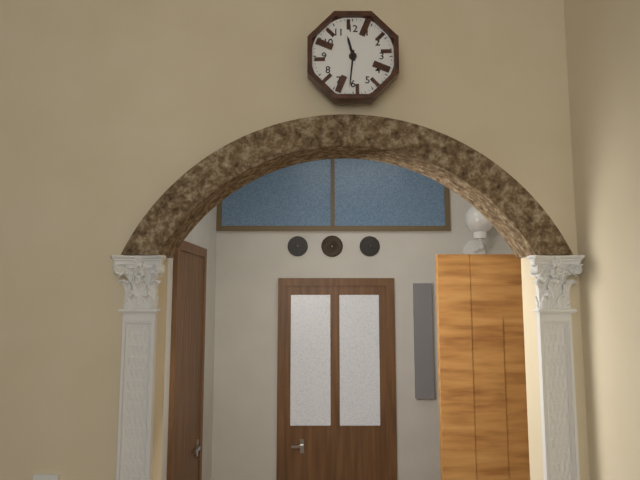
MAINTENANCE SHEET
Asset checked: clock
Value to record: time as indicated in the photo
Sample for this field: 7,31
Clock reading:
11,31
